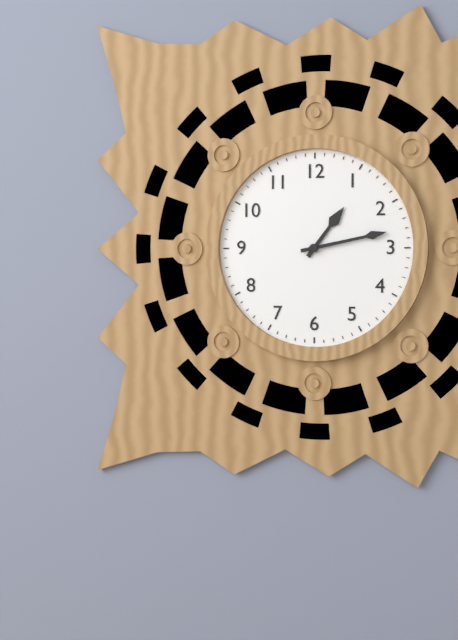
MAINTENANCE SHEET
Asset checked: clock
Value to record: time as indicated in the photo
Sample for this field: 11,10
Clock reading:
1,13
